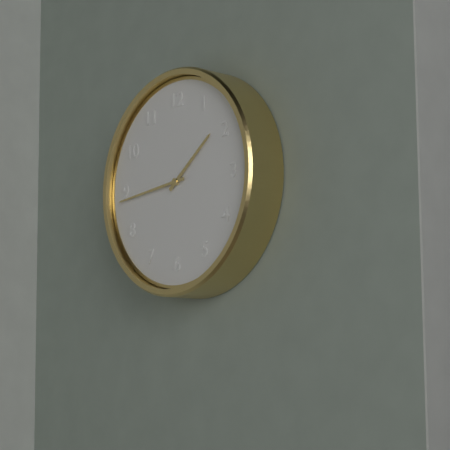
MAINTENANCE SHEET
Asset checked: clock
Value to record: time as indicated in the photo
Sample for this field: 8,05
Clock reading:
1,44
